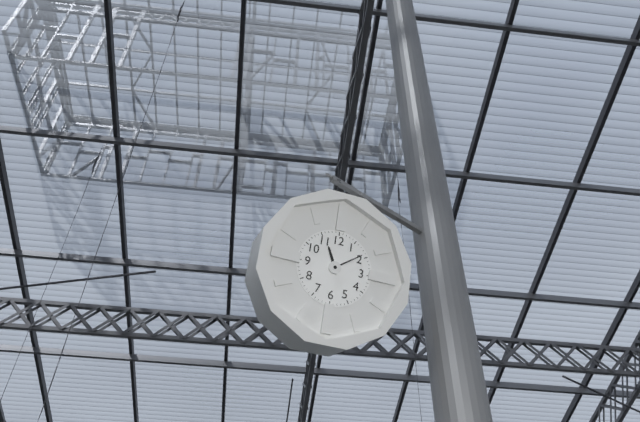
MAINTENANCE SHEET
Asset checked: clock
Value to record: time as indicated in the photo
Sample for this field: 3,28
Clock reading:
11,09
